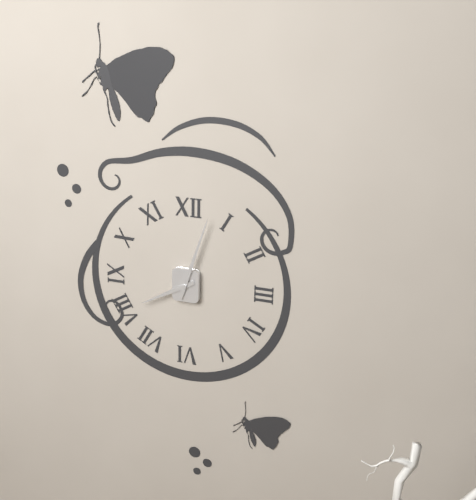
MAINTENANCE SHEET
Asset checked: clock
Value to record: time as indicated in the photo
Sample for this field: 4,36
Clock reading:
8,03
